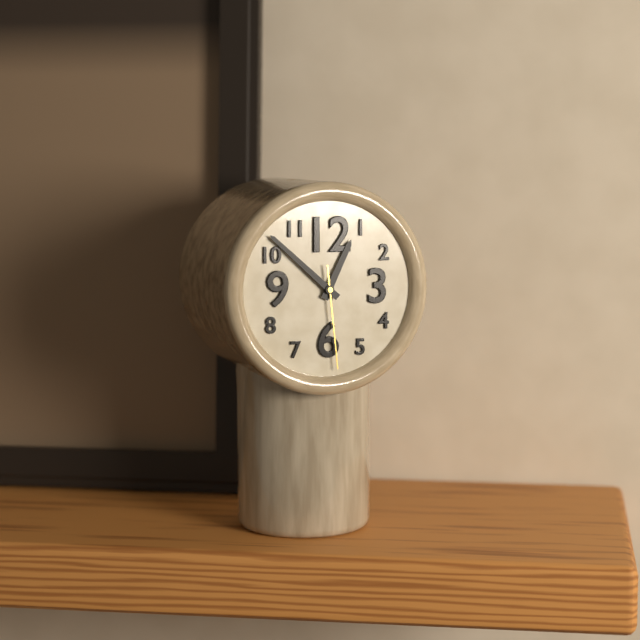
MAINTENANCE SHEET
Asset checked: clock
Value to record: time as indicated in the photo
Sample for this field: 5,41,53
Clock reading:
12,52,29
